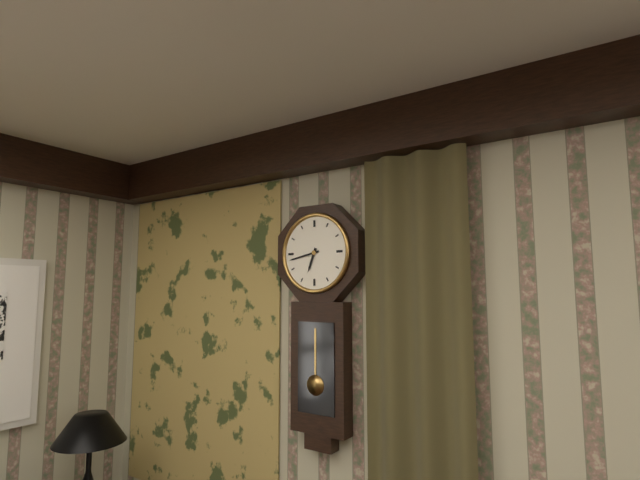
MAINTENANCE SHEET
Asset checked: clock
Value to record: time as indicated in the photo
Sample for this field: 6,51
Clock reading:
6,43
